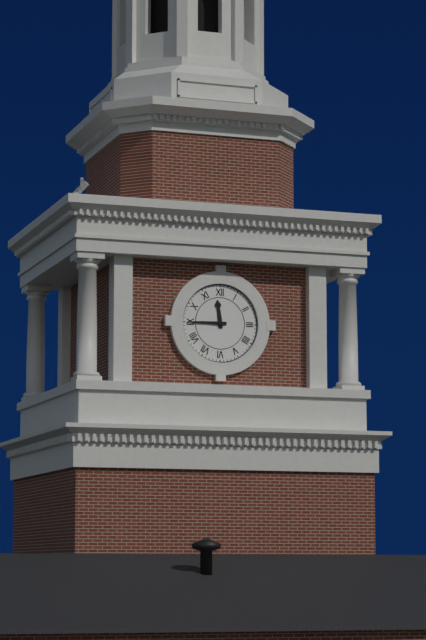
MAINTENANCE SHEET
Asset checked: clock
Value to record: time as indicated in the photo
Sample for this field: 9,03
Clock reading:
11,45
